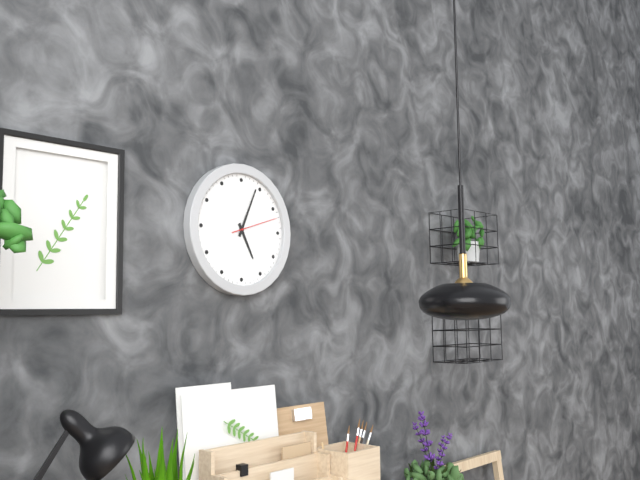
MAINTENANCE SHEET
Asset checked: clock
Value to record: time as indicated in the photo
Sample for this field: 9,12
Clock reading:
5,04
